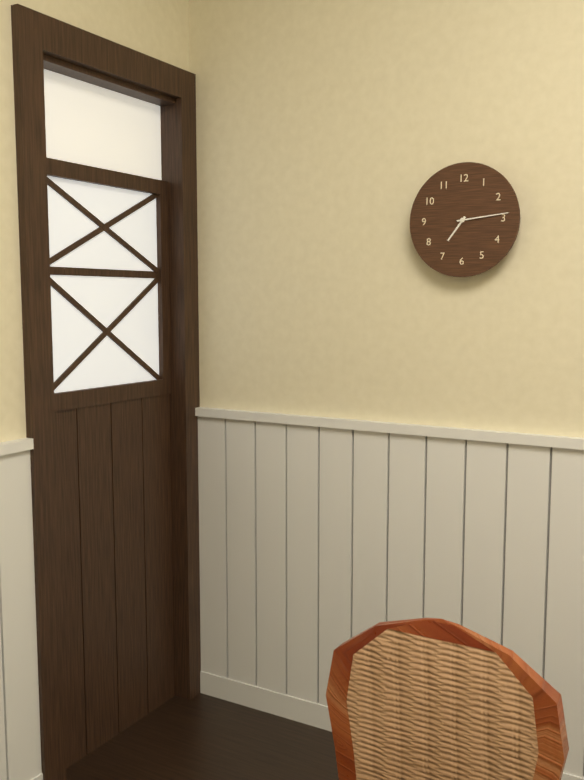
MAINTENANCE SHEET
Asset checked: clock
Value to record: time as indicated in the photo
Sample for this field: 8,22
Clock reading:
7,14
